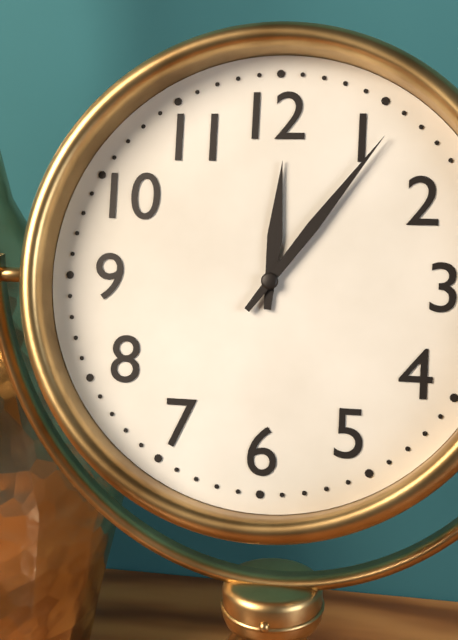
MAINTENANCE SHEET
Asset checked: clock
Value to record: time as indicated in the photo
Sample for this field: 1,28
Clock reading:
12,06
